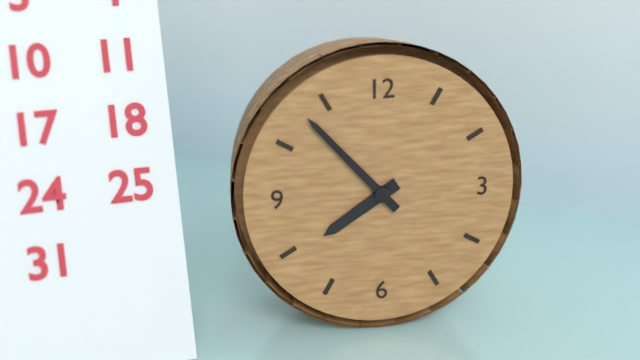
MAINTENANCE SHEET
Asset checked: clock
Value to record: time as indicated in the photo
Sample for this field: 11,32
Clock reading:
7,53
